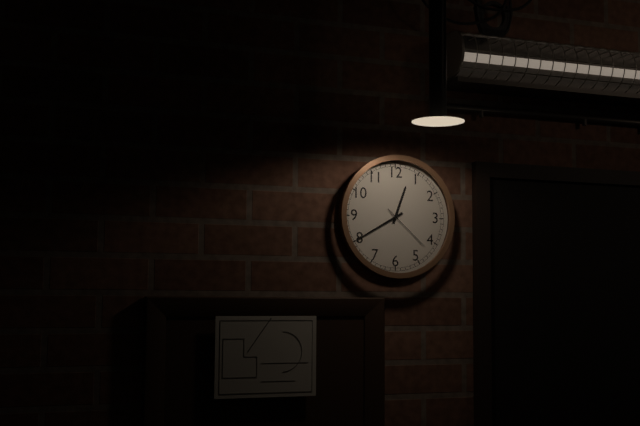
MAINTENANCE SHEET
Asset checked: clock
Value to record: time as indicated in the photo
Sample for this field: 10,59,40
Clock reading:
12,40,22
